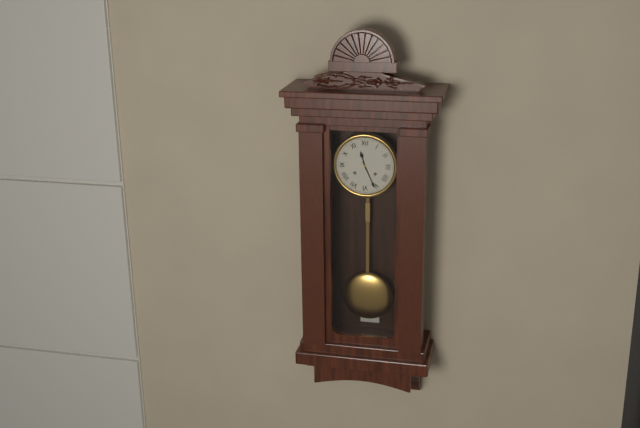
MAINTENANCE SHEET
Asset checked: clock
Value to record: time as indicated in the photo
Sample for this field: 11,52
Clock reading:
11,26
